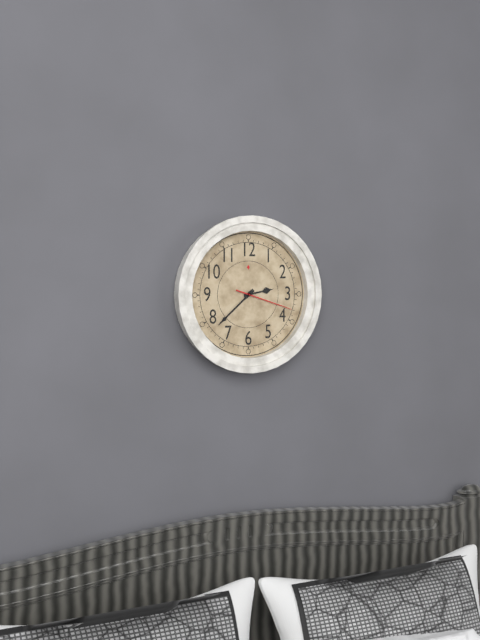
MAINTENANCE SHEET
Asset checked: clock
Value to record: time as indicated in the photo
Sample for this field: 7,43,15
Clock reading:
2,38,18
